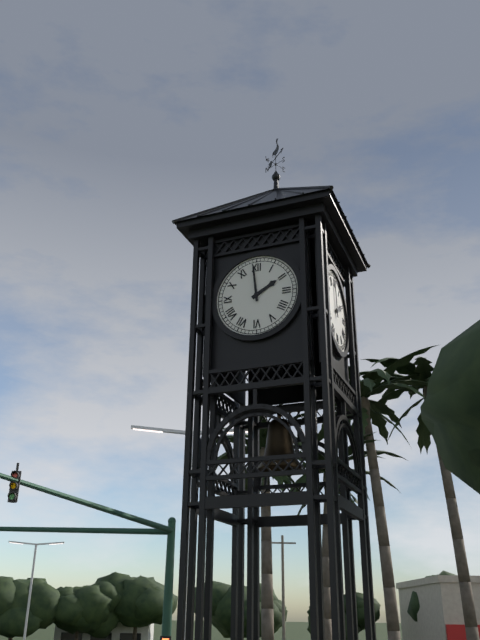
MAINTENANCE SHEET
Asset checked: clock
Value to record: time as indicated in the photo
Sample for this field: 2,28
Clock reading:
1,59
